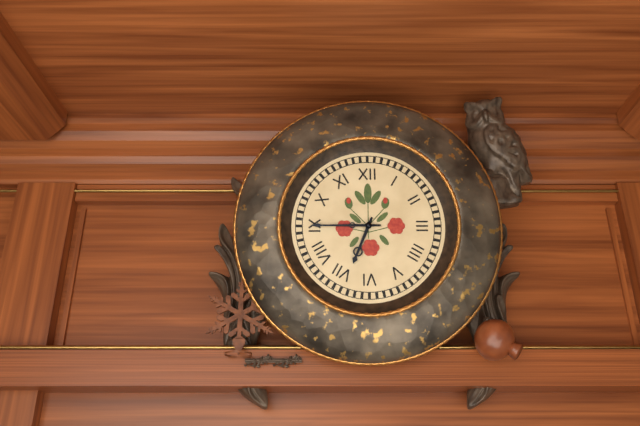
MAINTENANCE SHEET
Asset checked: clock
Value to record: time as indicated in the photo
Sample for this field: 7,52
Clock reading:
6,45
